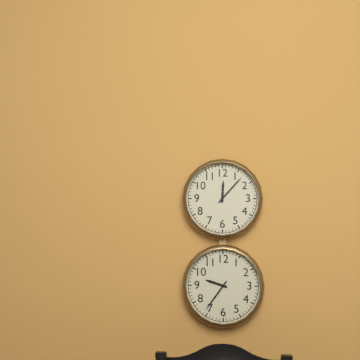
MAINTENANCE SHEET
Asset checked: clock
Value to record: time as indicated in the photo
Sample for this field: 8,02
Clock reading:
12,07
